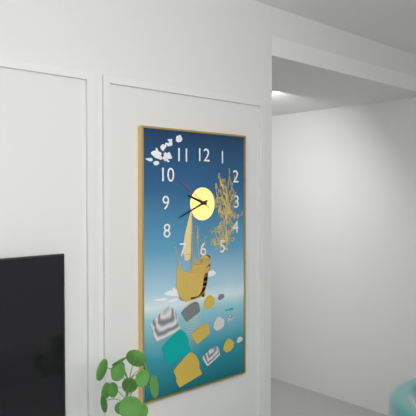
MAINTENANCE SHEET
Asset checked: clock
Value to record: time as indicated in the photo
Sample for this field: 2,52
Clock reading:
9,41
